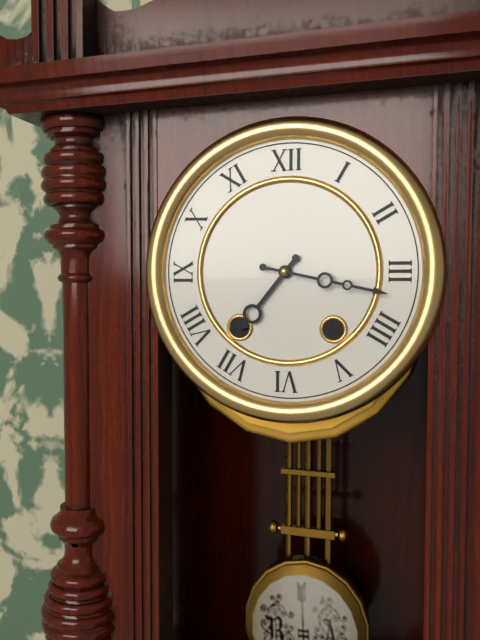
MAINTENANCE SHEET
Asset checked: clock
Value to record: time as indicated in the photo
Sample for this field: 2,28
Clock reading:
7,17
